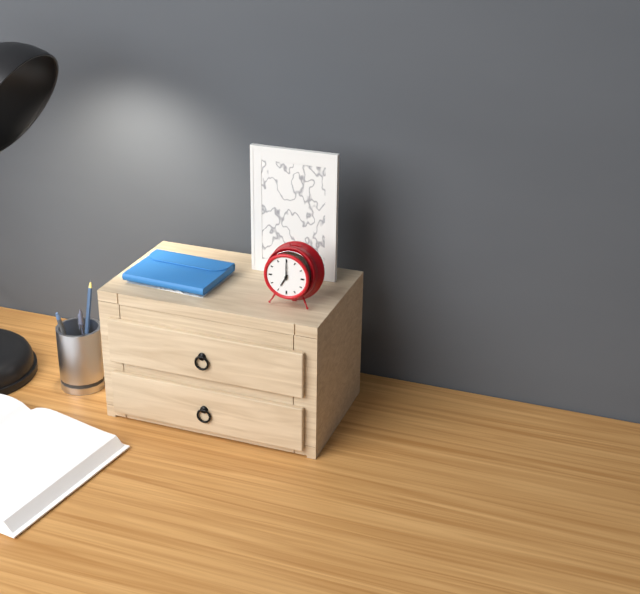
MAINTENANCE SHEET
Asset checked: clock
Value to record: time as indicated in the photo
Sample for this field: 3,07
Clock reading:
7,00
